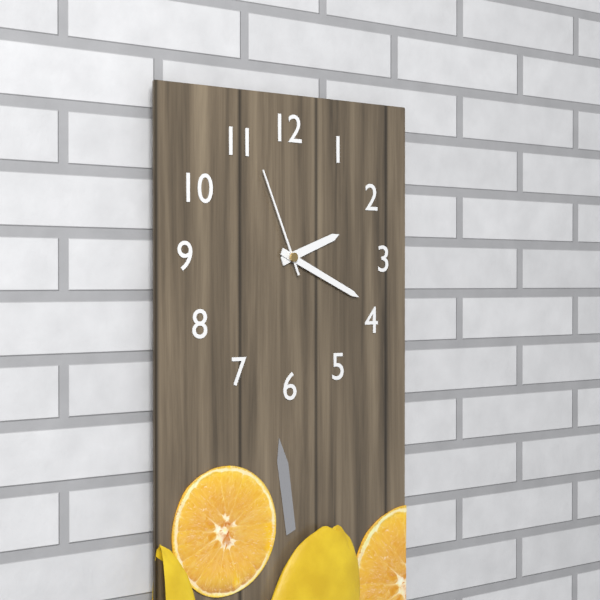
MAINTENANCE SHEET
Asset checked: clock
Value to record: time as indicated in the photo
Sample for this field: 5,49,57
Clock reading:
2,19,56
